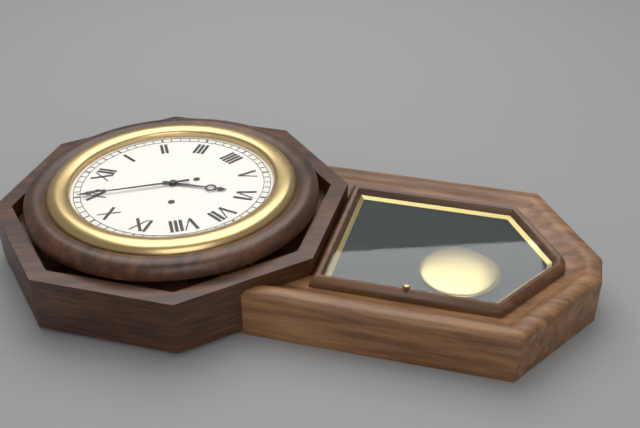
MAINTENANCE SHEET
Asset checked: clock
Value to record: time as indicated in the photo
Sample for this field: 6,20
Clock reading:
5,55
